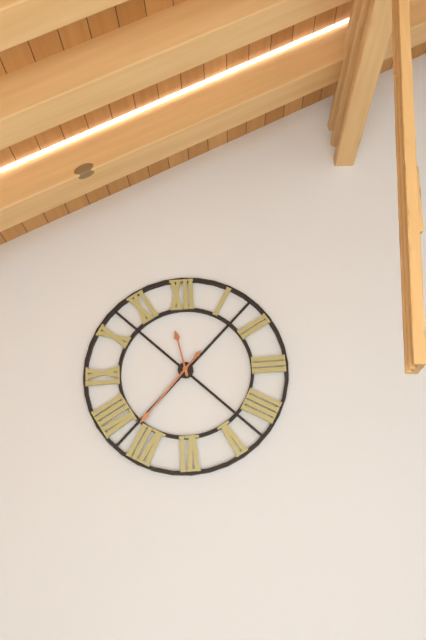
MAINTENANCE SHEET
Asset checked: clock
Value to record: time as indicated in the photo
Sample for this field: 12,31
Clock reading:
11,37
